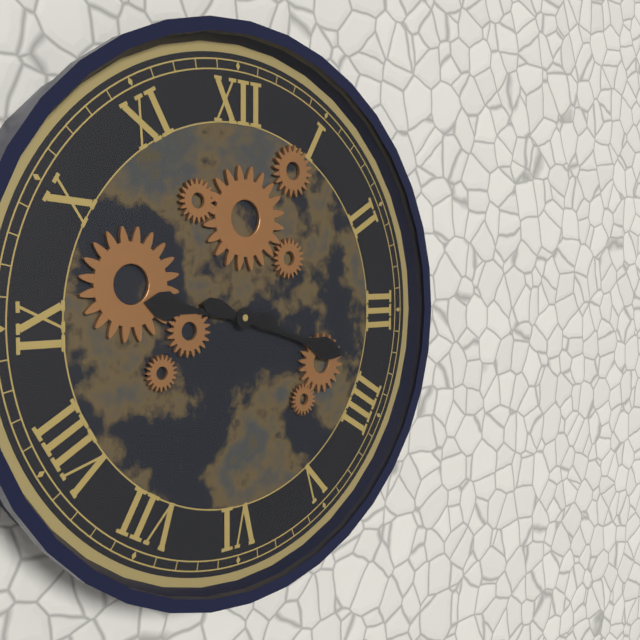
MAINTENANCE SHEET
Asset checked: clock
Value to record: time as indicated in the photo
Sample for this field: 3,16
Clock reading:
9,18
